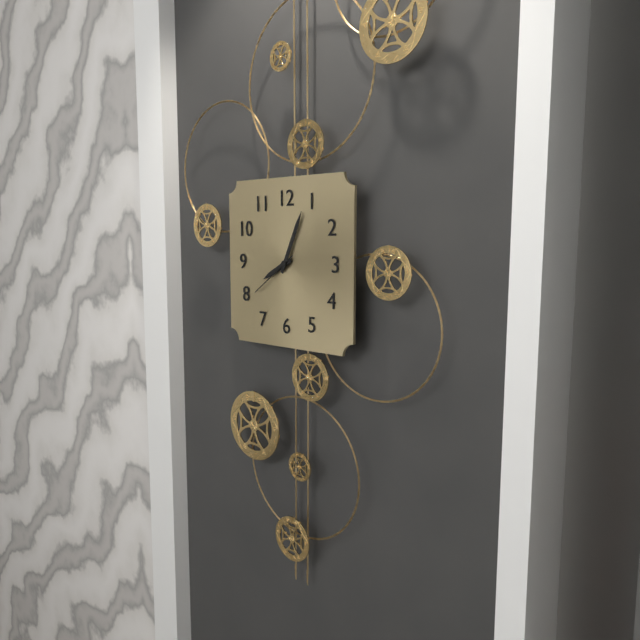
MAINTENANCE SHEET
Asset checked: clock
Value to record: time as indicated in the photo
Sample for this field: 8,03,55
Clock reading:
8,04,39
